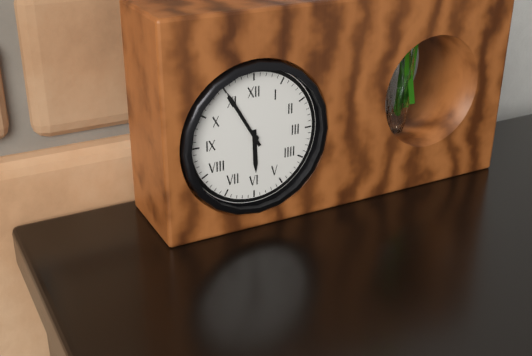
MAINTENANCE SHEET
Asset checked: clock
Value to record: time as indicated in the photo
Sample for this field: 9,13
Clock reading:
5,55
